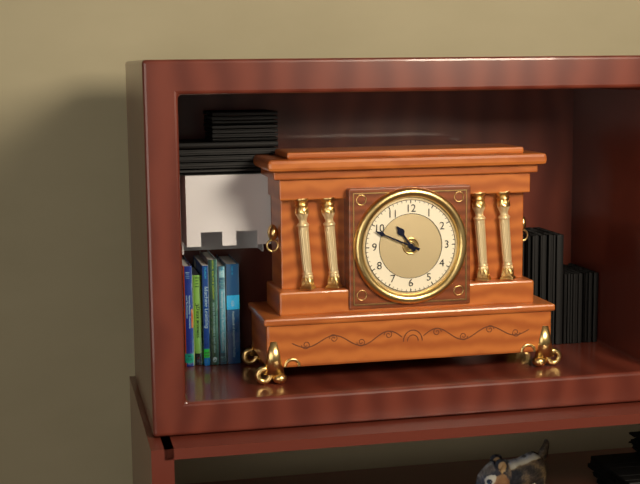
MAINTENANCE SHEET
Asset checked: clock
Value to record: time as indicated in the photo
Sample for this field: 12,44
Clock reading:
10,49
